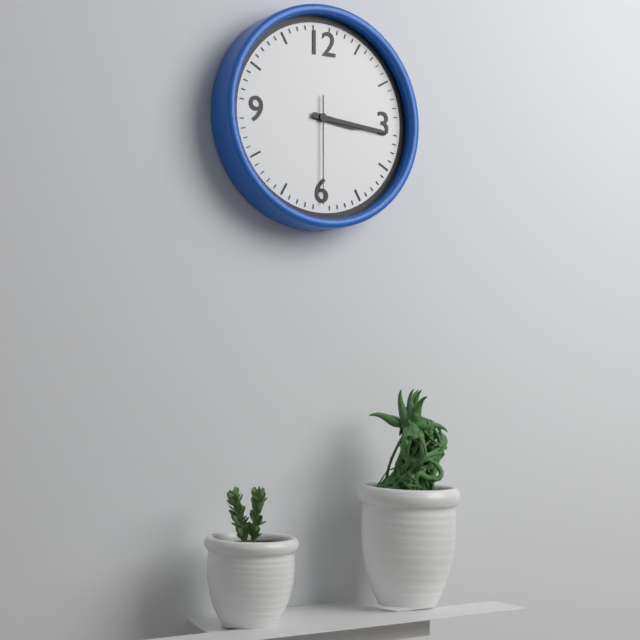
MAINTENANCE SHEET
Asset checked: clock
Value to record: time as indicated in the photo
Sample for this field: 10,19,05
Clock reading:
3,16,30
